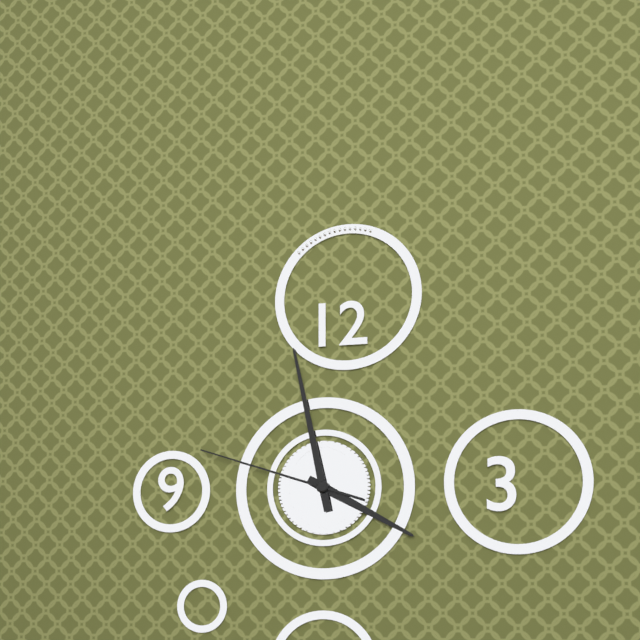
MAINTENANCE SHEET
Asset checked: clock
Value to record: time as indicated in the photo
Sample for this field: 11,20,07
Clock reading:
3,58,48
